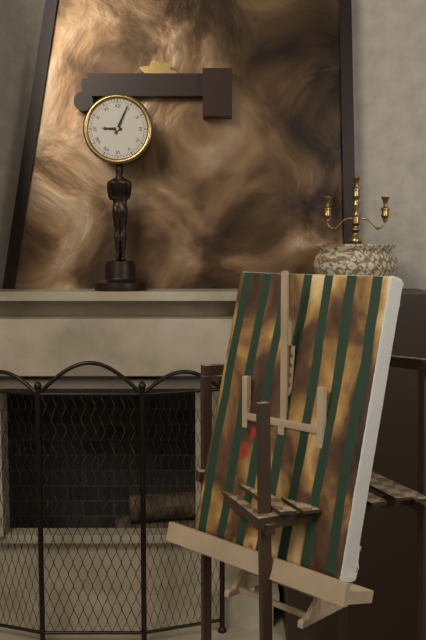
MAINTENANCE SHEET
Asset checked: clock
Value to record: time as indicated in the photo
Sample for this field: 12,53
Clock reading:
9,04
